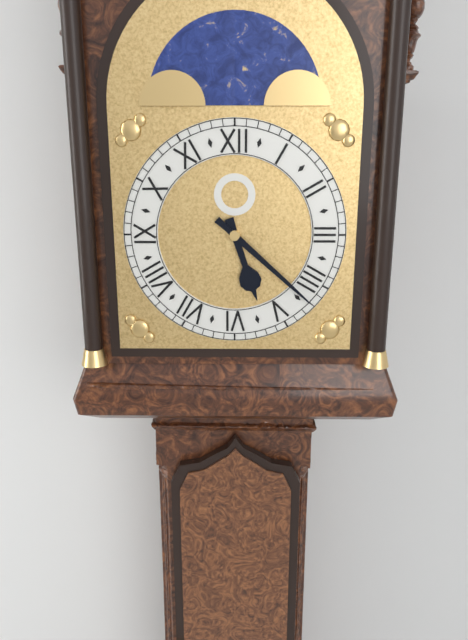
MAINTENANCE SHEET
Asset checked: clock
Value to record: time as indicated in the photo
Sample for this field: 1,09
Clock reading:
5,22
